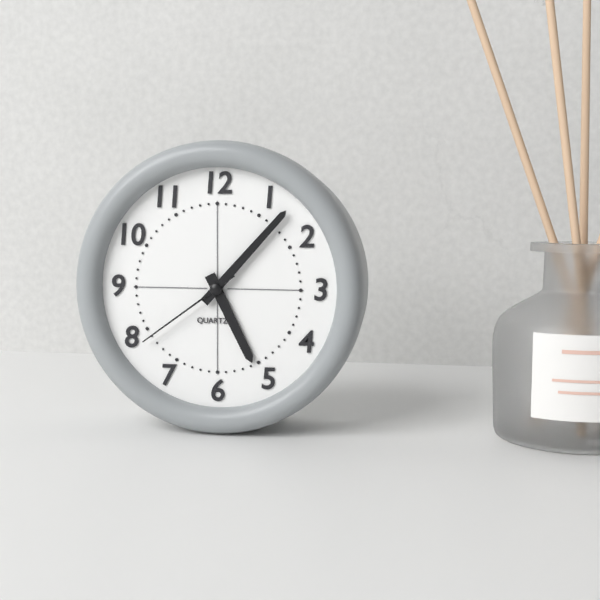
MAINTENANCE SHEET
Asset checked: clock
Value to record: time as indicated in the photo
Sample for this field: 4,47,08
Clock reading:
5,07,39
